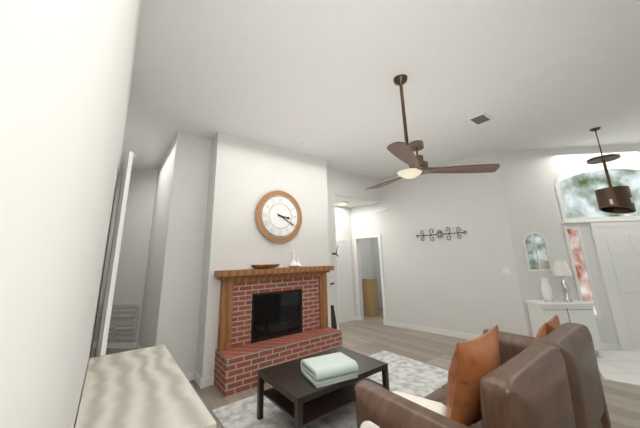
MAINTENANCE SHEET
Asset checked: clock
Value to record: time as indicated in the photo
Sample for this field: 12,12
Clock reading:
3,20
